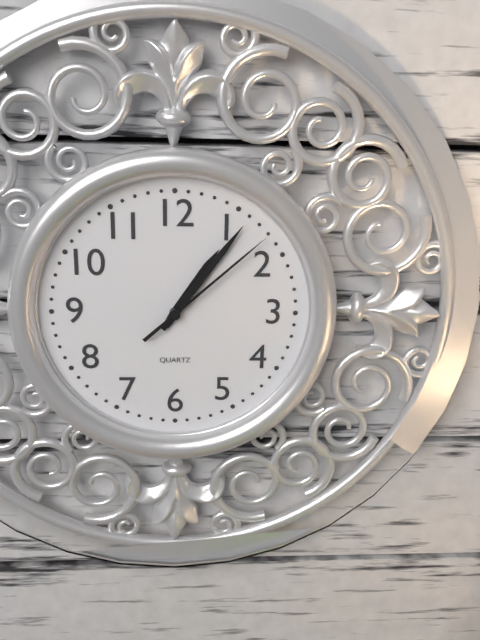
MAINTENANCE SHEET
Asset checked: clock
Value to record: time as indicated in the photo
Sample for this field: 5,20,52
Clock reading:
1,06,08
